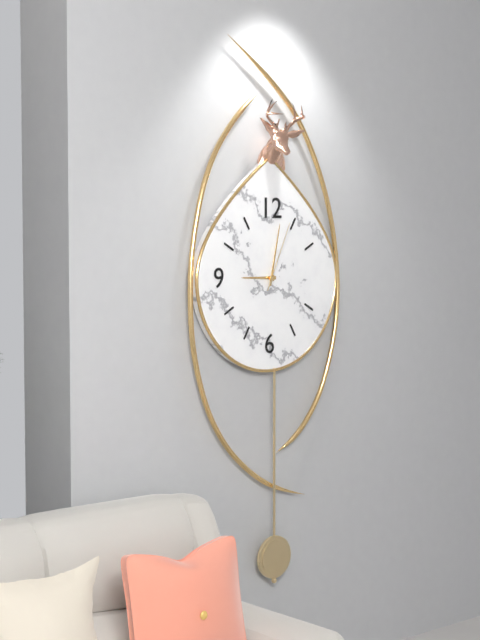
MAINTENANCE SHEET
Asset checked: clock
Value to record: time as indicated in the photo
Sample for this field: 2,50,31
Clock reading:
9,02,04
